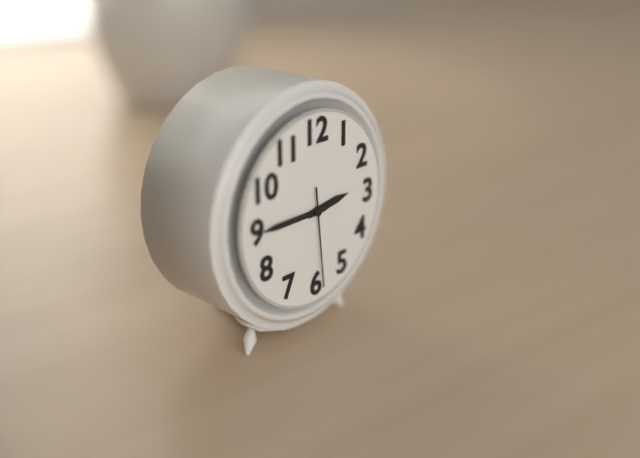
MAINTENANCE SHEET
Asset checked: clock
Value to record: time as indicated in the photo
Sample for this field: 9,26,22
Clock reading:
2,45,29
